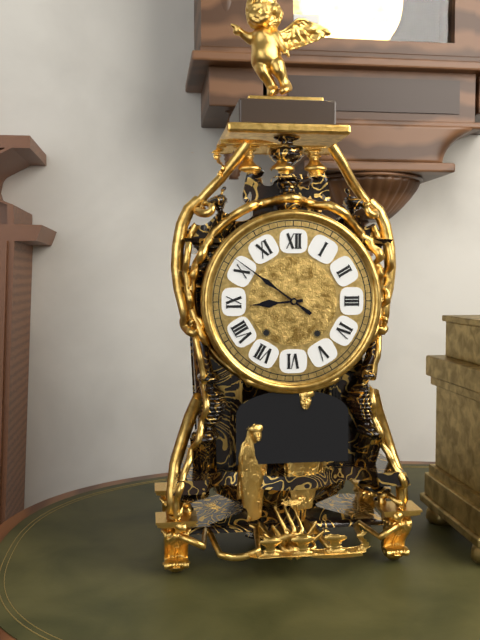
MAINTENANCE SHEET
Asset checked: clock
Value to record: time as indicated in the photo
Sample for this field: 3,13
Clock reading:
8,51
